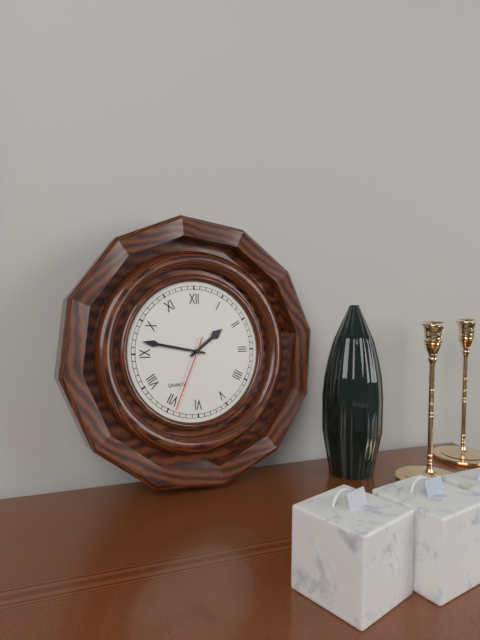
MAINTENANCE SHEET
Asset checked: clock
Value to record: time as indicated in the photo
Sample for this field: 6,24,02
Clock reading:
1,47,34
